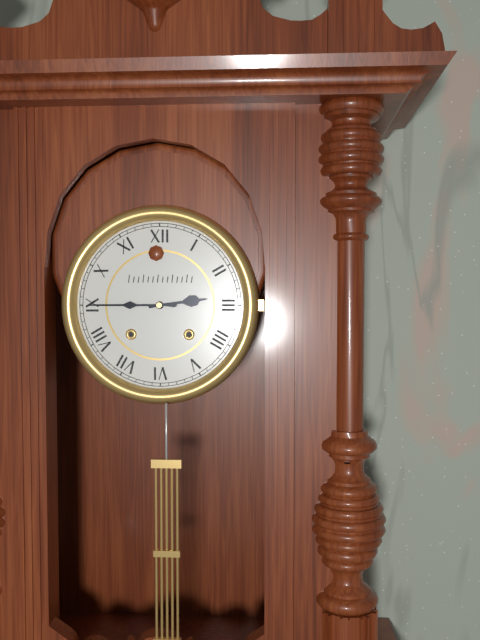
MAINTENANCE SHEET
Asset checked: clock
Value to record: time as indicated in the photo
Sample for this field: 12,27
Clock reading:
2,45
